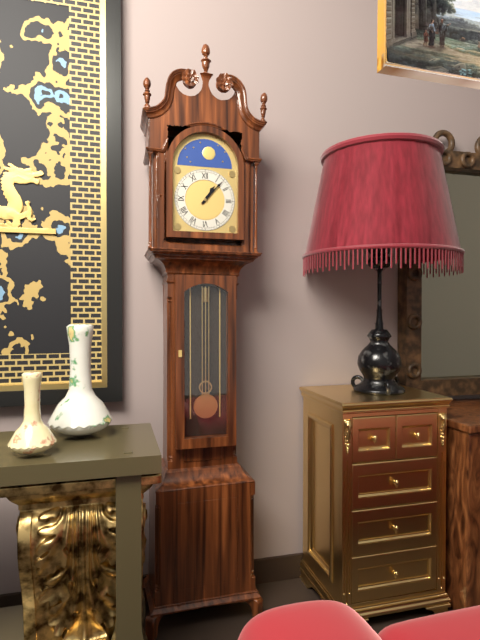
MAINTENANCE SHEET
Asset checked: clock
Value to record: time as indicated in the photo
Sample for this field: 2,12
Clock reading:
1,07
